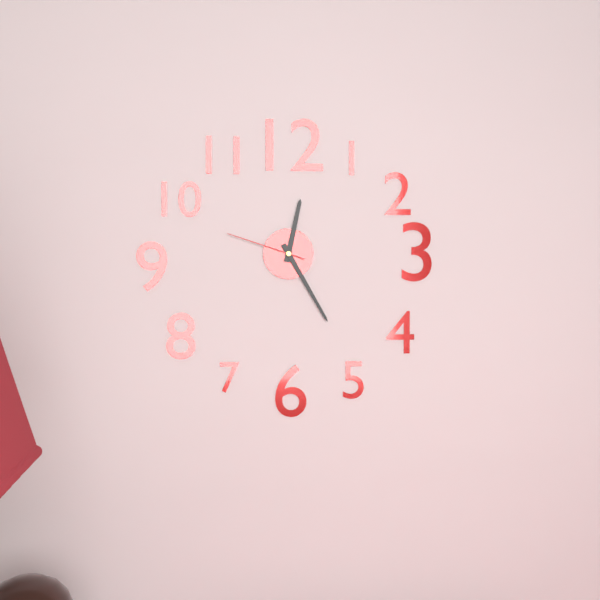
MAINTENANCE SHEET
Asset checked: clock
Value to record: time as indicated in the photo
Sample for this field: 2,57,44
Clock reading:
12,25,48
